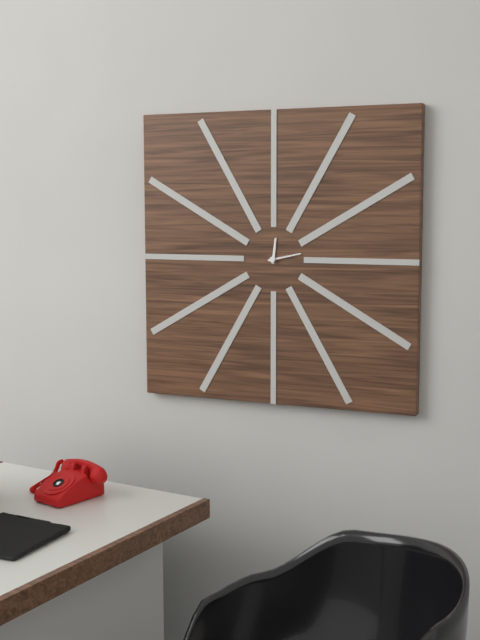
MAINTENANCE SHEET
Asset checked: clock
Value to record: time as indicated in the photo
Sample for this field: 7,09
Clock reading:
12,13
